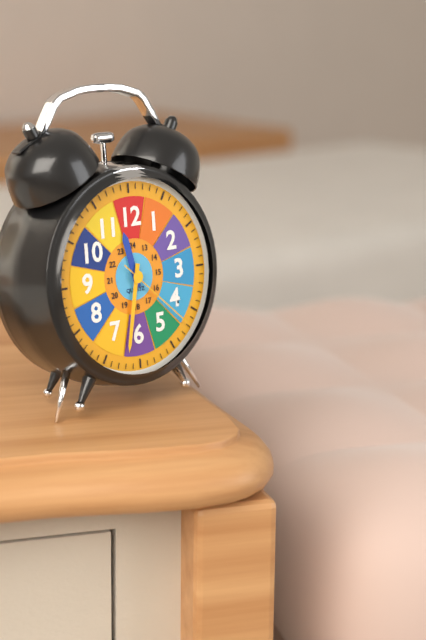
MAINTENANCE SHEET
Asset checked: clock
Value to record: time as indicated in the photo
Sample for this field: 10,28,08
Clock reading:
11,32,22
